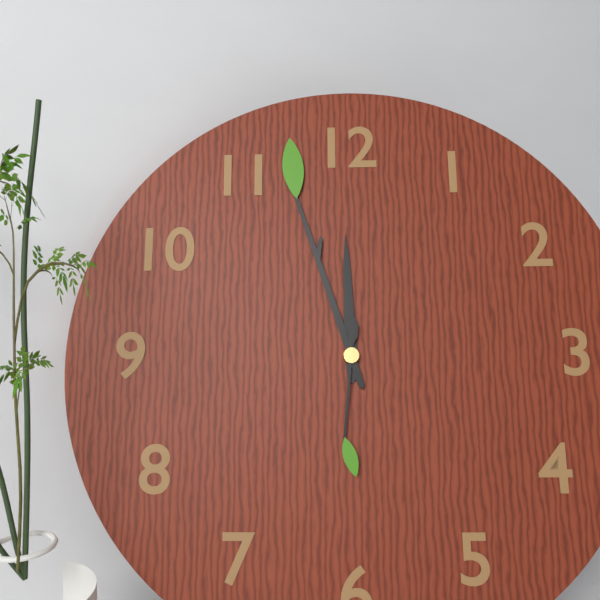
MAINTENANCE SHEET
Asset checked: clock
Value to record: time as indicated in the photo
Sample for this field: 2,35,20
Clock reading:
11,57,31
